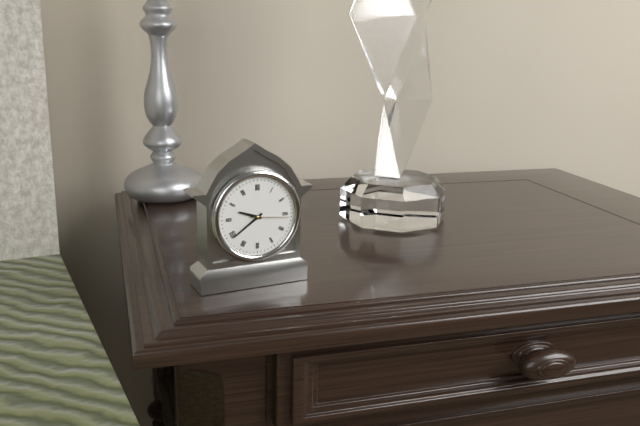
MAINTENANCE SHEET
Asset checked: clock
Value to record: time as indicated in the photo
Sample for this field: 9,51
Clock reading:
9,39
